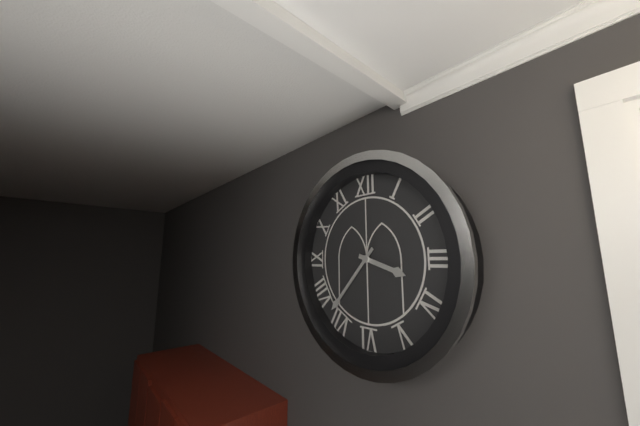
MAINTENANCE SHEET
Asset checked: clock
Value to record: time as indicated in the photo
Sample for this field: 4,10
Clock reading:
3,37
